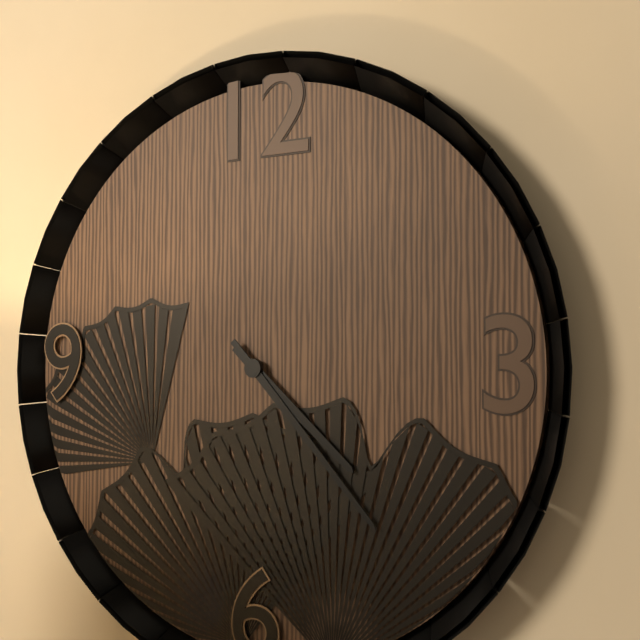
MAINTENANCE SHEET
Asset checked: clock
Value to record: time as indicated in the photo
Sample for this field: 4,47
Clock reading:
4,23
